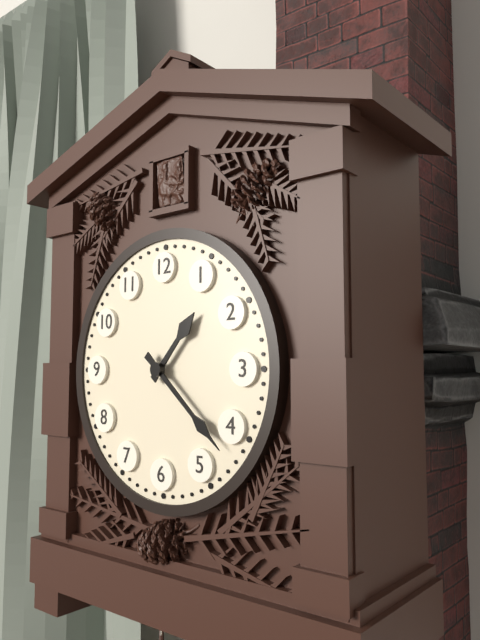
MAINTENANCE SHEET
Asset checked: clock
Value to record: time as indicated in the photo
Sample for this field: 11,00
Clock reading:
1,22
